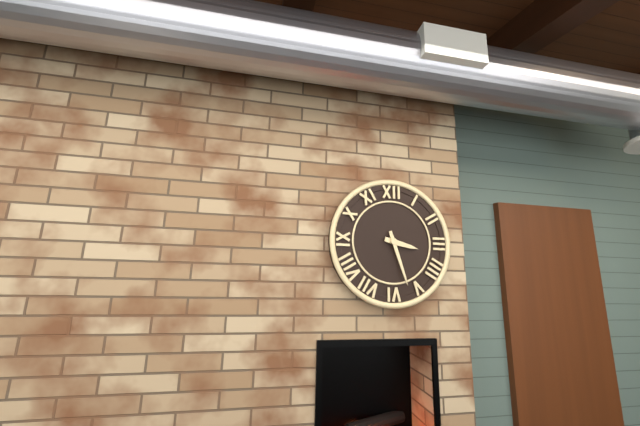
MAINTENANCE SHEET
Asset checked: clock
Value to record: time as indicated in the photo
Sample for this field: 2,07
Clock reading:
3,27
